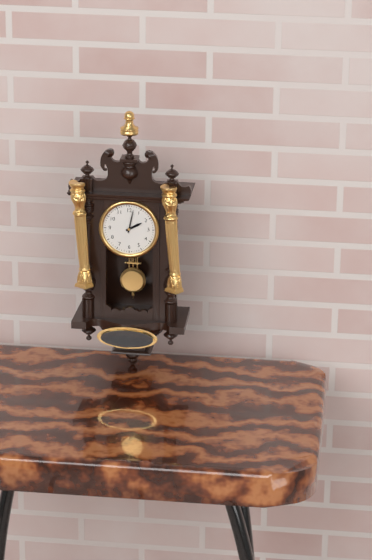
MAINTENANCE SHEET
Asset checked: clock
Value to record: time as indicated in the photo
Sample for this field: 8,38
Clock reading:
2,02
